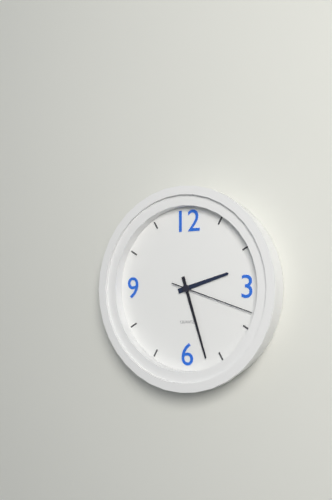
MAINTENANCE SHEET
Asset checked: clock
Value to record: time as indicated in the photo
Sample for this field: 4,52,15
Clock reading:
2,27,18
